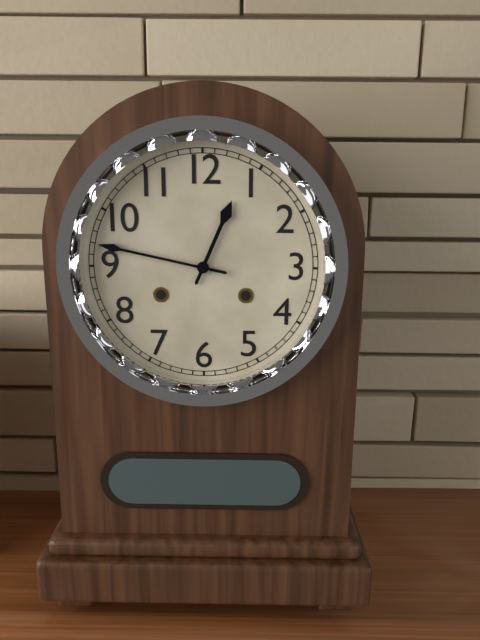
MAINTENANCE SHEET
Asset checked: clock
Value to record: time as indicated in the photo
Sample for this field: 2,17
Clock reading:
12,47
